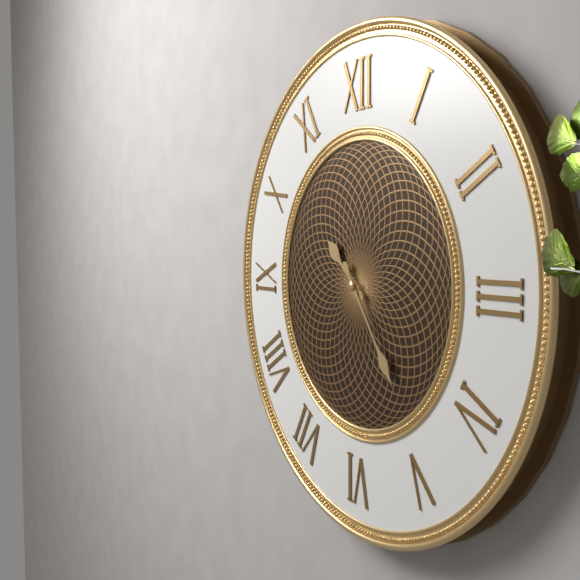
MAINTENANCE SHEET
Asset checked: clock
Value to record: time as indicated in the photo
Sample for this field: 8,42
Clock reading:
10,24
